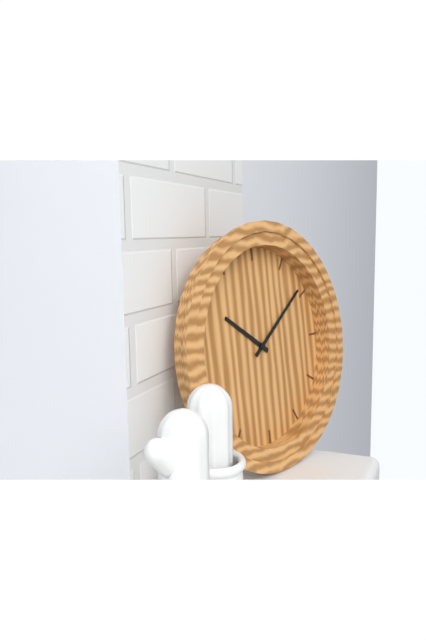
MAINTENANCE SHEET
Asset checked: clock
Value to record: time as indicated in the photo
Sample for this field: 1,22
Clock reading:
10,09
